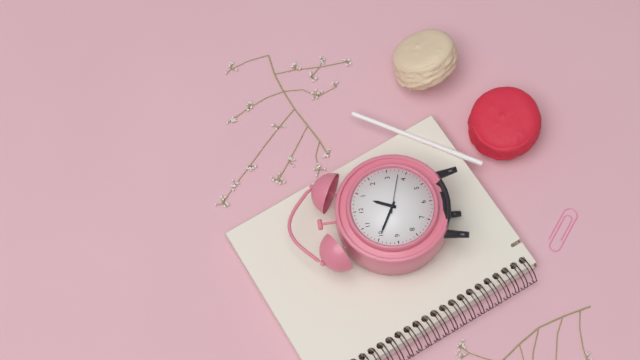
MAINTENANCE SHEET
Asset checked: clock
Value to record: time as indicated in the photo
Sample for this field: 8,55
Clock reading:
12,50
